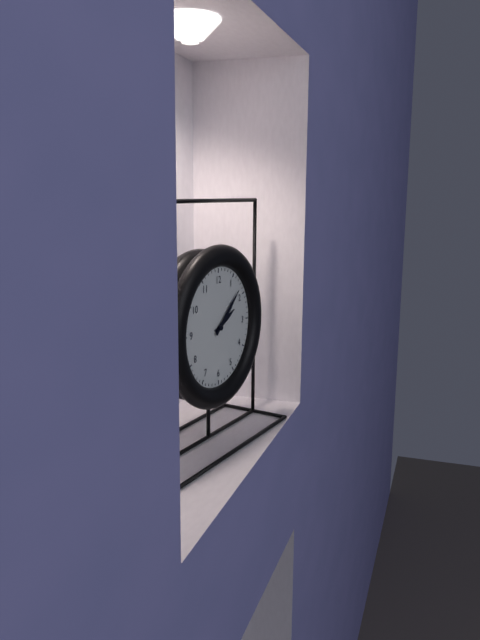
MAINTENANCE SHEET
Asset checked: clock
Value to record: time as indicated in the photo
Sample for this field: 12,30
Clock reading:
2,08
